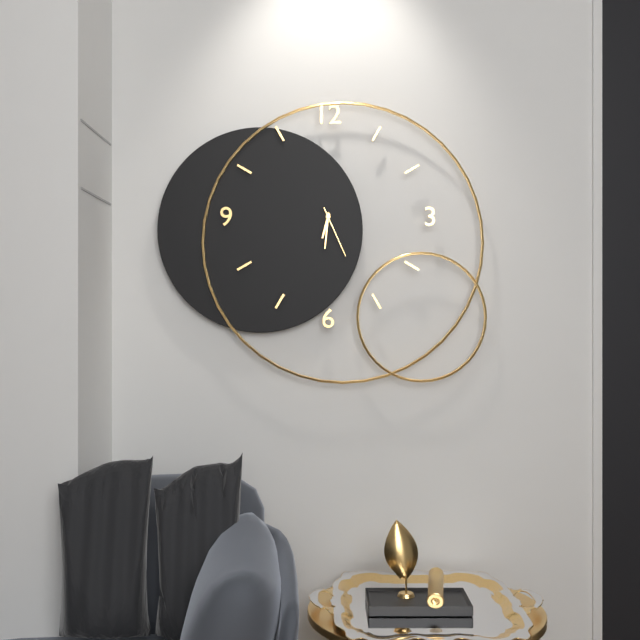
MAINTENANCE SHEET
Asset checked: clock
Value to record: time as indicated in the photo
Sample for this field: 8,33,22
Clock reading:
6,31,26
